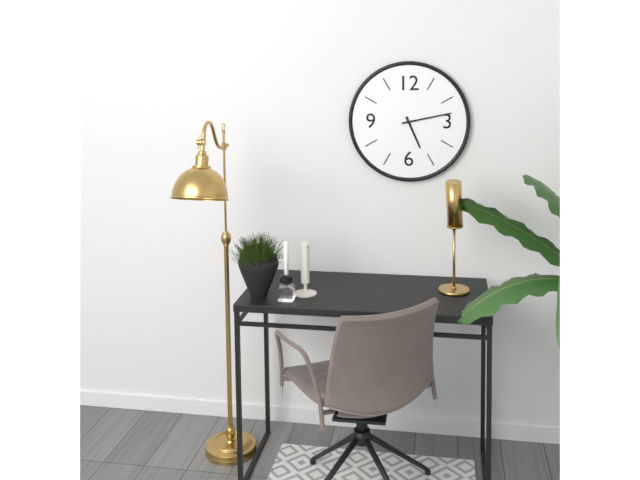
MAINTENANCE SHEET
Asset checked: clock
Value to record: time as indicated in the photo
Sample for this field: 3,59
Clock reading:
5,13
